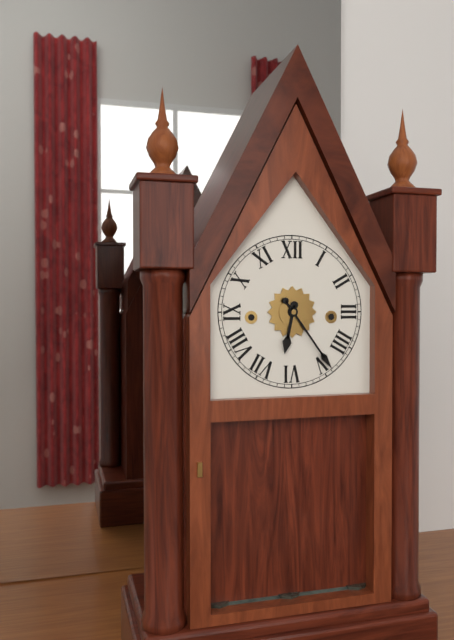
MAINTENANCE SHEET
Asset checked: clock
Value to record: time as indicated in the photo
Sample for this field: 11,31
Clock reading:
6,24
